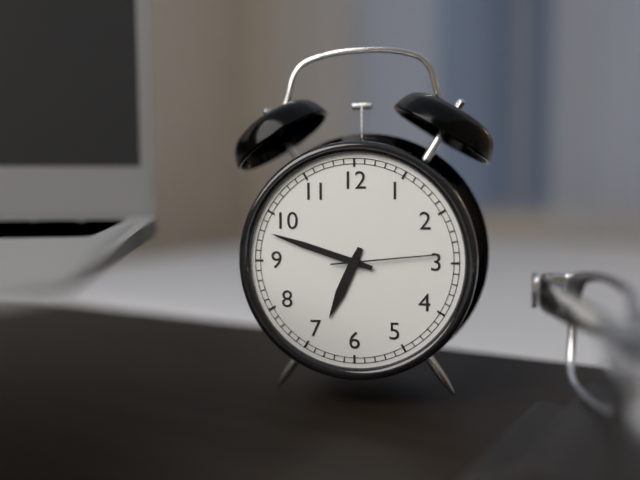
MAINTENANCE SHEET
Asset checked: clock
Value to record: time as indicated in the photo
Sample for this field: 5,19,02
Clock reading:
6,48,14
